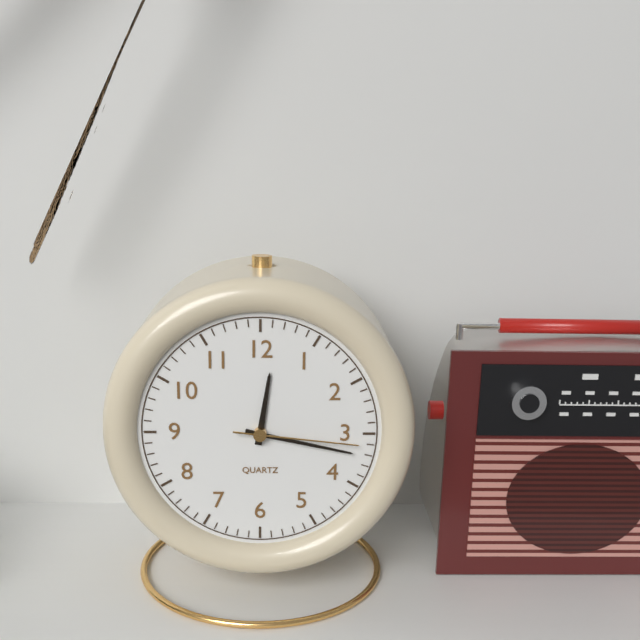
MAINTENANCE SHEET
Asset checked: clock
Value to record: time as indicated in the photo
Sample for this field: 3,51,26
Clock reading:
12,17,16
